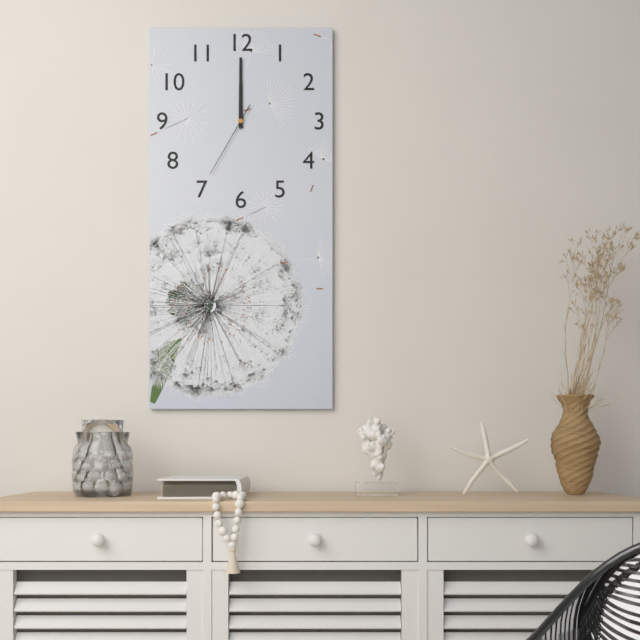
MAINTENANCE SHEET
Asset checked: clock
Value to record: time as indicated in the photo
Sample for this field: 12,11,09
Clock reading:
12,00,35
